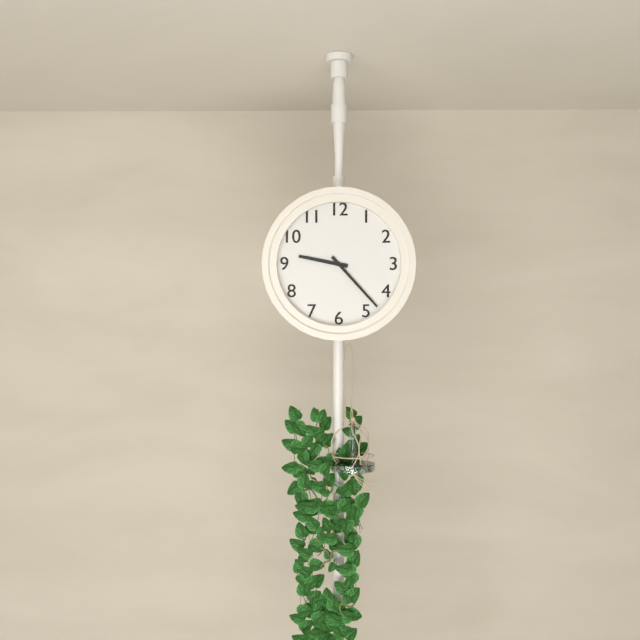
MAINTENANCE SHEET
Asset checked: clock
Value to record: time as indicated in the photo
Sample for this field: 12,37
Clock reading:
9,23
